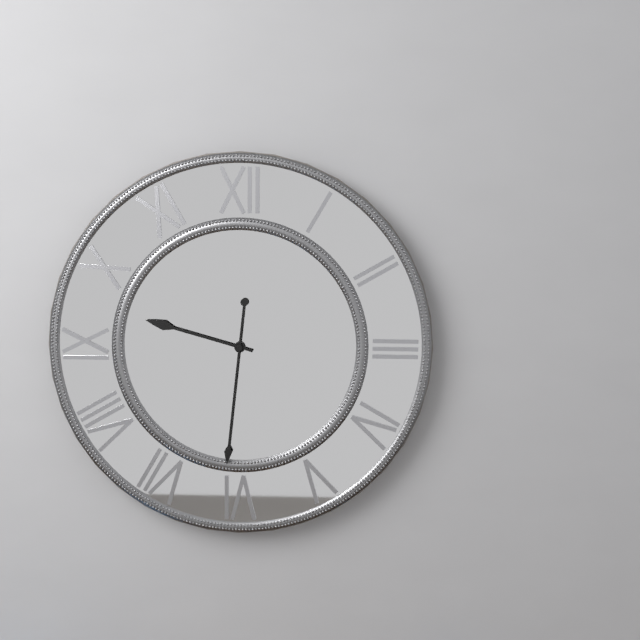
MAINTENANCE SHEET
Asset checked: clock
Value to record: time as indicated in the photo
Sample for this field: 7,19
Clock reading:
9,31
